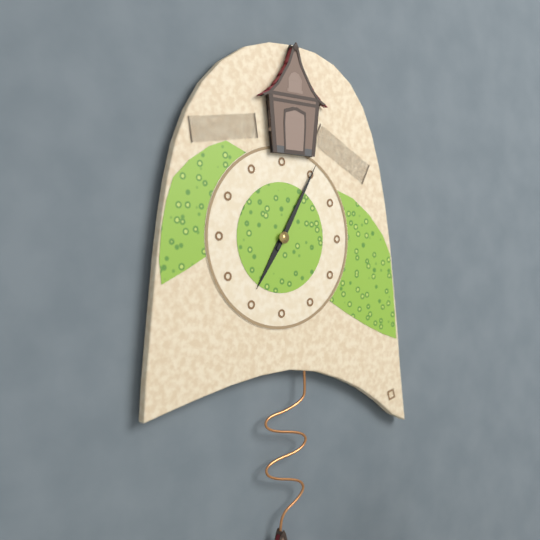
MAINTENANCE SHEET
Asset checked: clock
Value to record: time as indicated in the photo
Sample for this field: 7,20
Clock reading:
7,05
